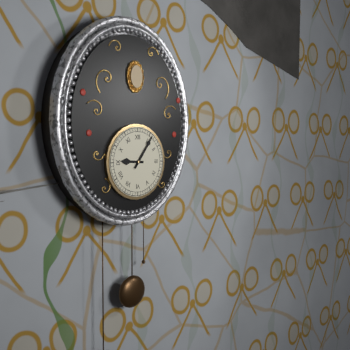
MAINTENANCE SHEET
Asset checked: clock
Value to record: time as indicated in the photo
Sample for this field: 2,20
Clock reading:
9,06
